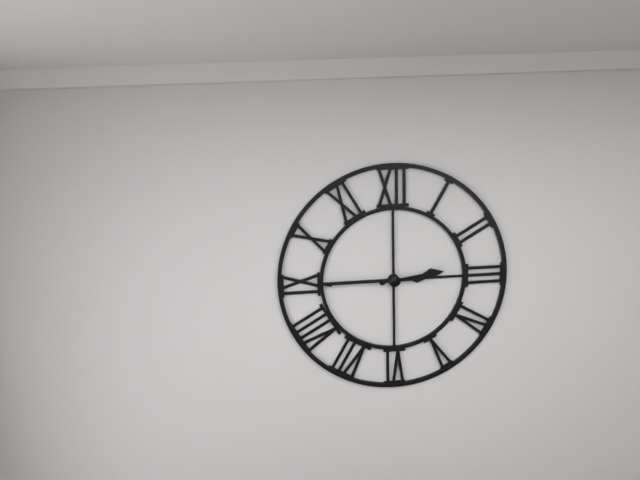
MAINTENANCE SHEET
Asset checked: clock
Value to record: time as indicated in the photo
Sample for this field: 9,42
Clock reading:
2,45
